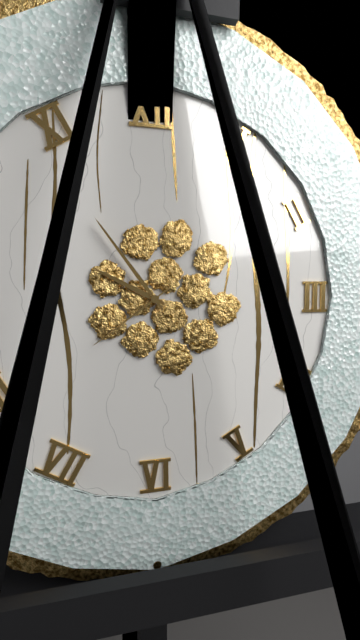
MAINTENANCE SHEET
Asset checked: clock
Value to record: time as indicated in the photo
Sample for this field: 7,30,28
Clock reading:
9,54,39
